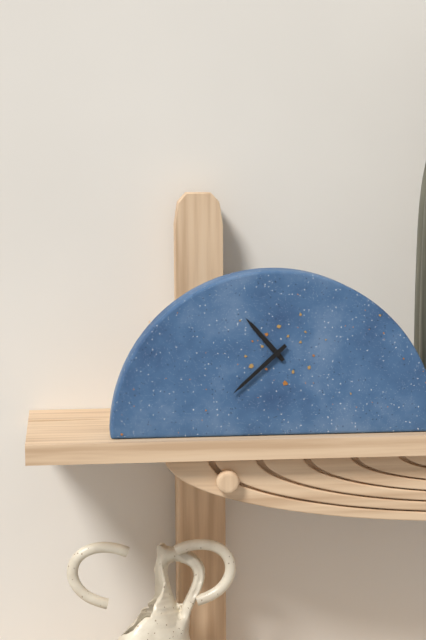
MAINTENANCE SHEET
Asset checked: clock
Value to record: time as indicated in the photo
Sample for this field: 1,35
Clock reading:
10,38
